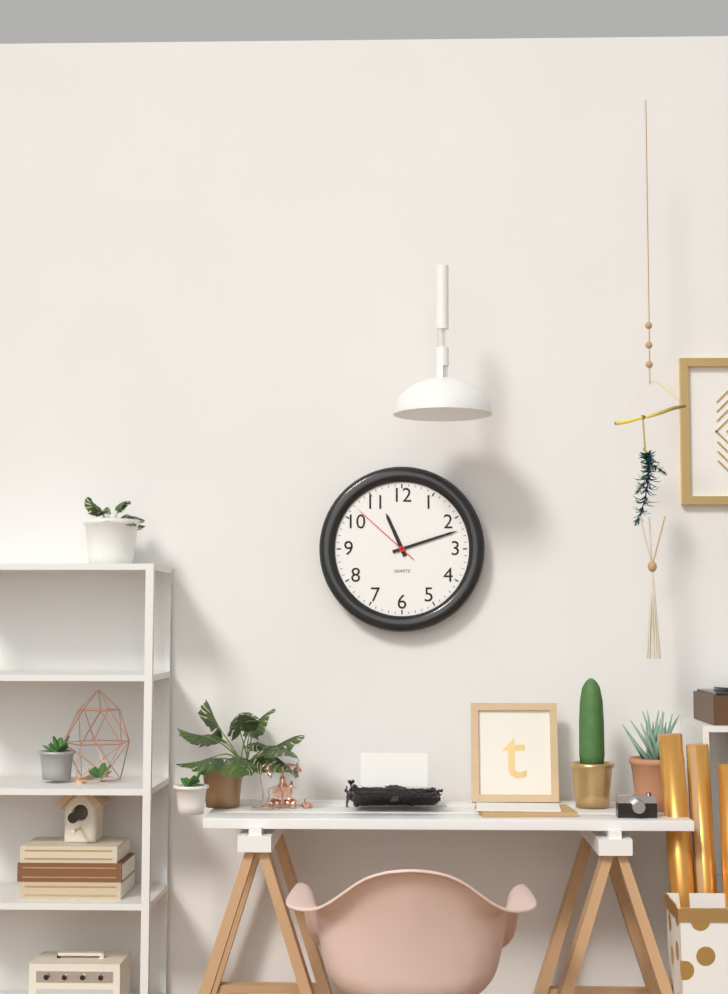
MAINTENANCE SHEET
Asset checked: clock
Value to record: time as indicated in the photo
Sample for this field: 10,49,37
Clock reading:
11,12,52
